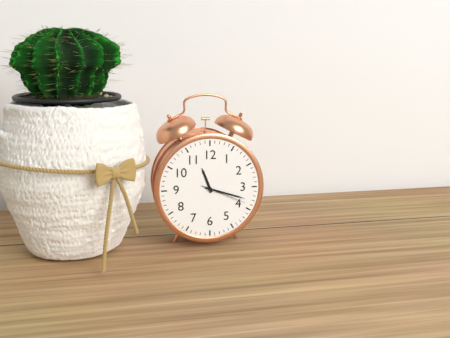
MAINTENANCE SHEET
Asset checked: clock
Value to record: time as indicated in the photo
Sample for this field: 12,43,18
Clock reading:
11,18,19
